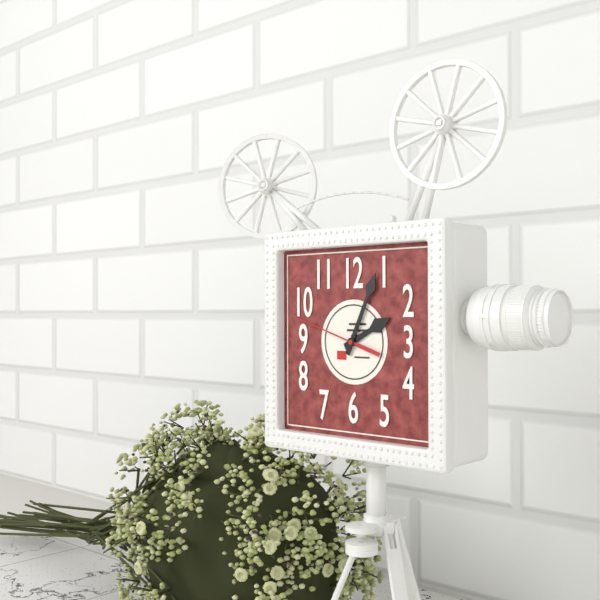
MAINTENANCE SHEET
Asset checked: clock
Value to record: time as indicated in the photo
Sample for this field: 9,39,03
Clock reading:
2,04,48
